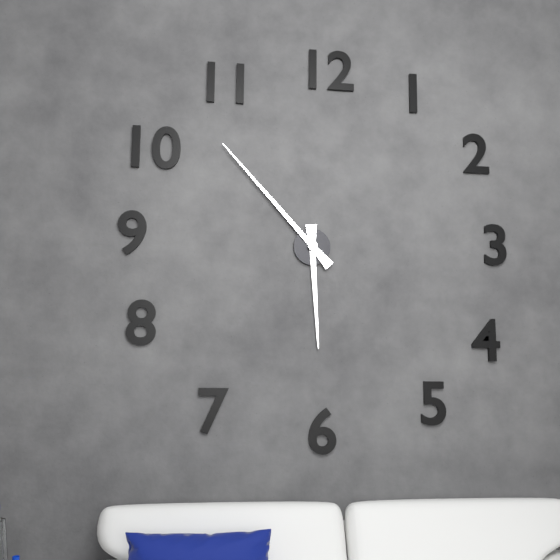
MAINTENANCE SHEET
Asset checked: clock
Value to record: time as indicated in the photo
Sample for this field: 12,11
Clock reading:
5,53
